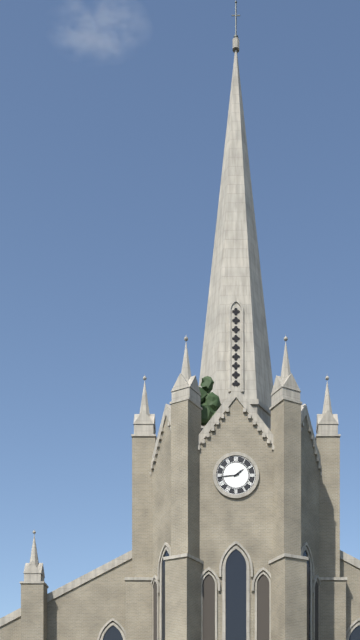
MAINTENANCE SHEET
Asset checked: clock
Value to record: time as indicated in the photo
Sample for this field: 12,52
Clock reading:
1,44
